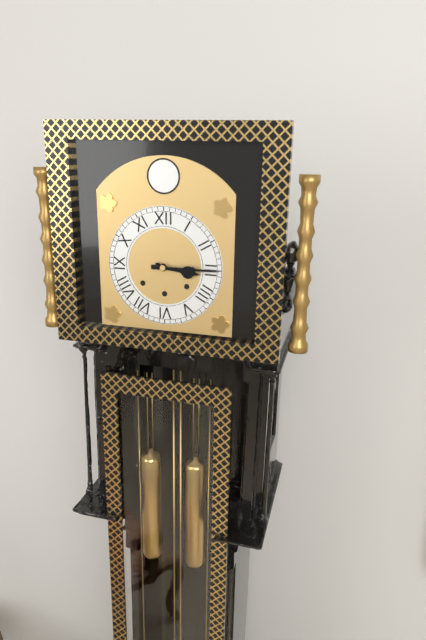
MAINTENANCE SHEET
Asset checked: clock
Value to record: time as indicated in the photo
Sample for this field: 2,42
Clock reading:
3,15
